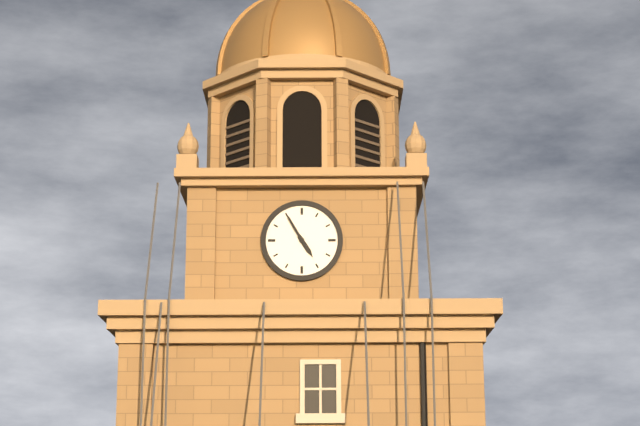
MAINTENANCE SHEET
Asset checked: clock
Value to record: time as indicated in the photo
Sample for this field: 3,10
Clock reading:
4,55
